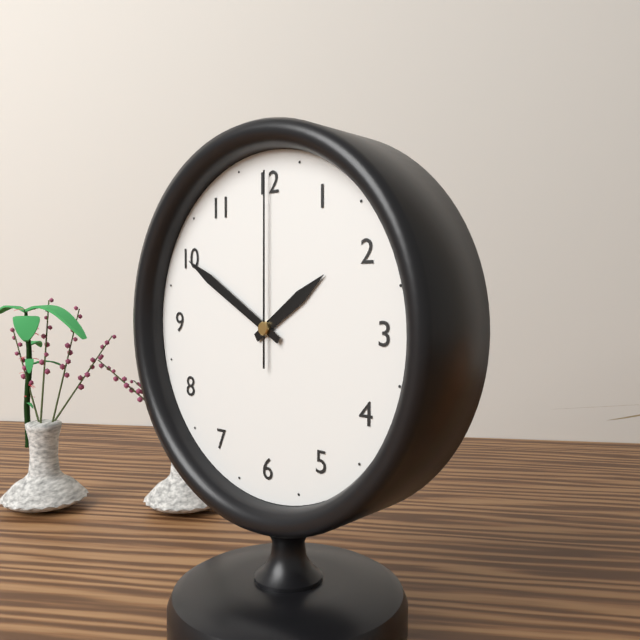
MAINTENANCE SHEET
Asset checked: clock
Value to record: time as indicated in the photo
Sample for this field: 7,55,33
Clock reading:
1,50,00
